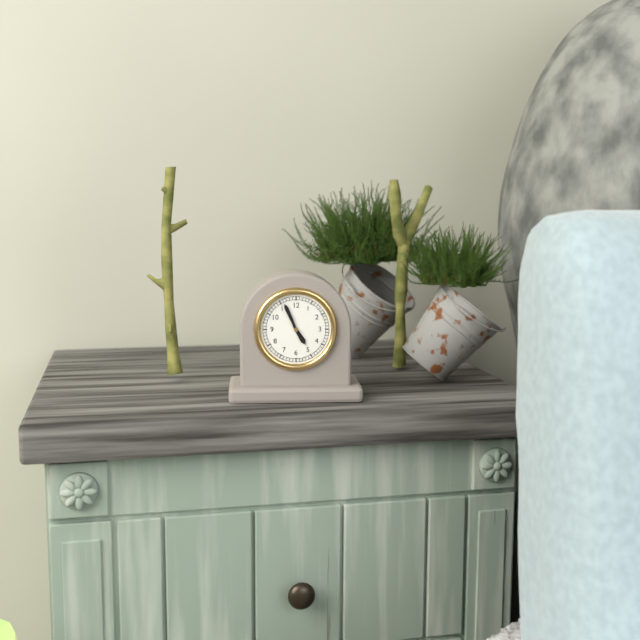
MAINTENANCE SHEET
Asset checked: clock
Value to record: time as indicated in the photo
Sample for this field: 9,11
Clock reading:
4,56
